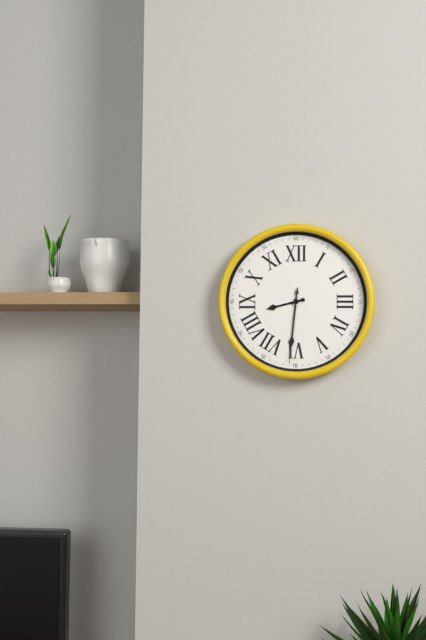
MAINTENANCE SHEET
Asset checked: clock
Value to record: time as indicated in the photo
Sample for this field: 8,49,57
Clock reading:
8,31,31
